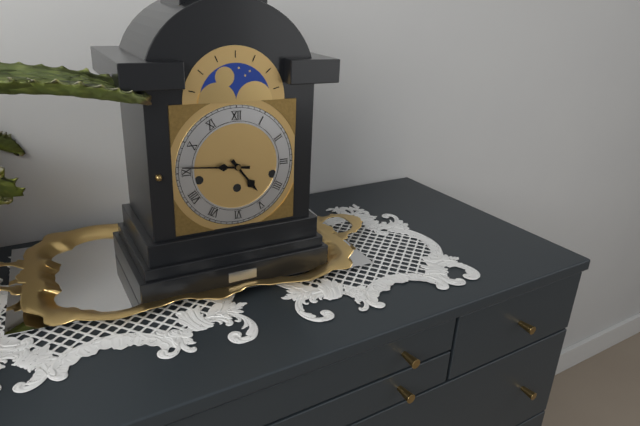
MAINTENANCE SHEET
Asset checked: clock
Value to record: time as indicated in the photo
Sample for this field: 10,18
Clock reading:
4,46
